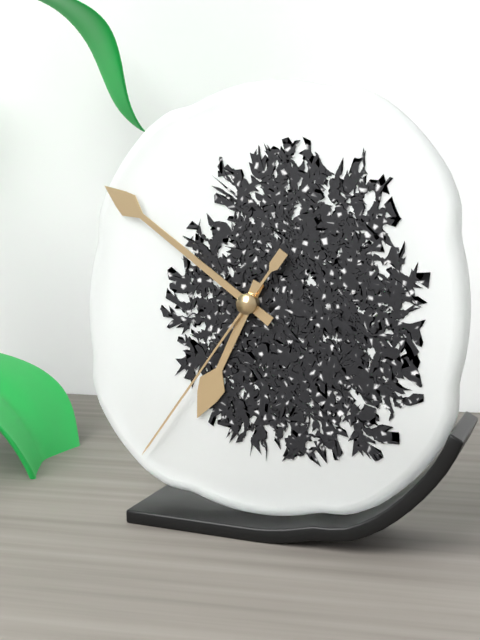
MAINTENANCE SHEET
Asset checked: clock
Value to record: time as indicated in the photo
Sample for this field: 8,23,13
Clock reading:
6,51,36
